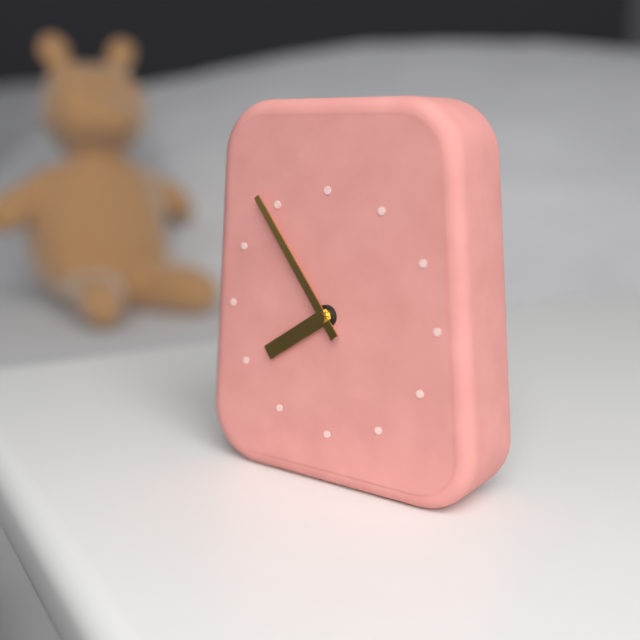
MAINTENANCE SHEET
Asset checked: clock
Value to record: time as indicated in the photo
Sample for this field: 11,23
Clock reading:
7,54
